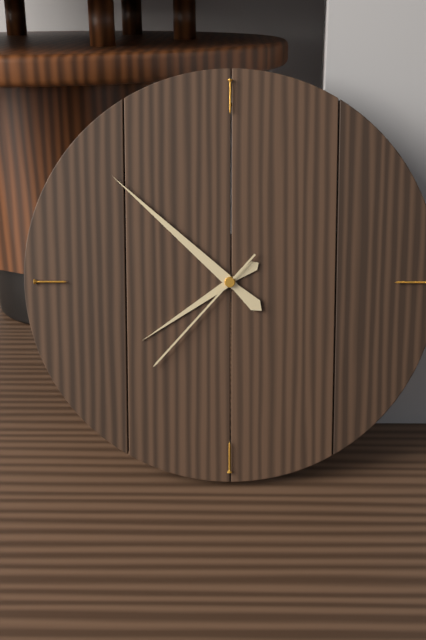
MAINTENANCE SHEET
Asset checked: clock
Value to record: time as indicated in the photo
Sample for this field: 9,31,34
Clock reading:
7,52,37
